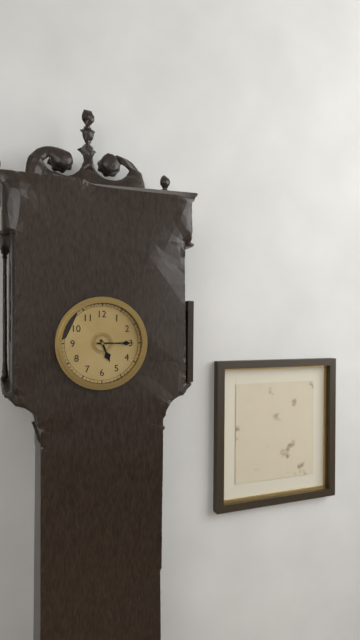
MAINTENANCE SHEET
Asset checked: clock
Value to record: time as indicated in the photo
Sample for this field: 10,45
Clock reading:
5,15
